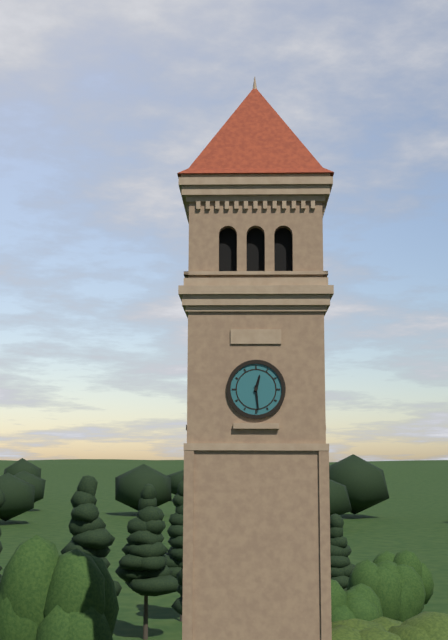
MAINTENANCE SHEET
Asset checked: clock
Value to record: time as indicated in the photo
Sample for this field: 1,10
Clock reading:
12,29
